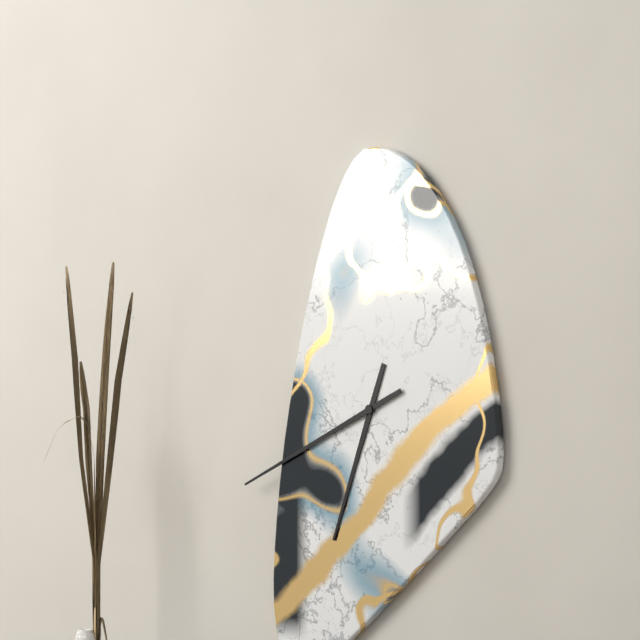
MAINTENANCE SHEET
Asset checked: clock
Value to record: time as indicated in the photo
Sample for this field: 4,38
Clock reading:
6,41
